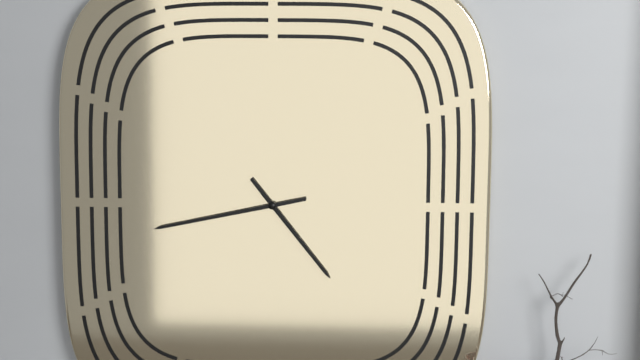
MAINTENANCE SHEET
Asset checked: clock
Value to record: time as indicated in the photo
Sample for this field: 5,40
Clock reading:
4,43
